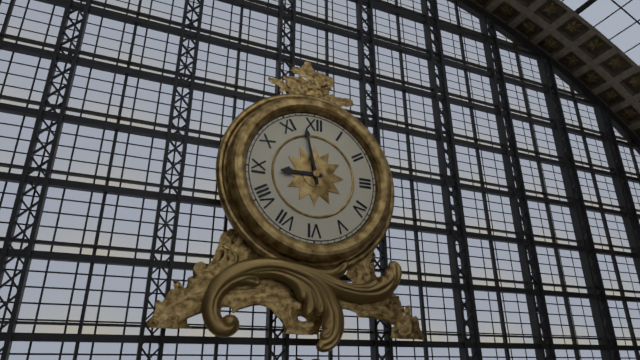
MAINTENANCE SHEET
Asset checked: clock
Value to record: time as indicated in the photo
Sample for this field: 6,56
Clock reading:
8,58
